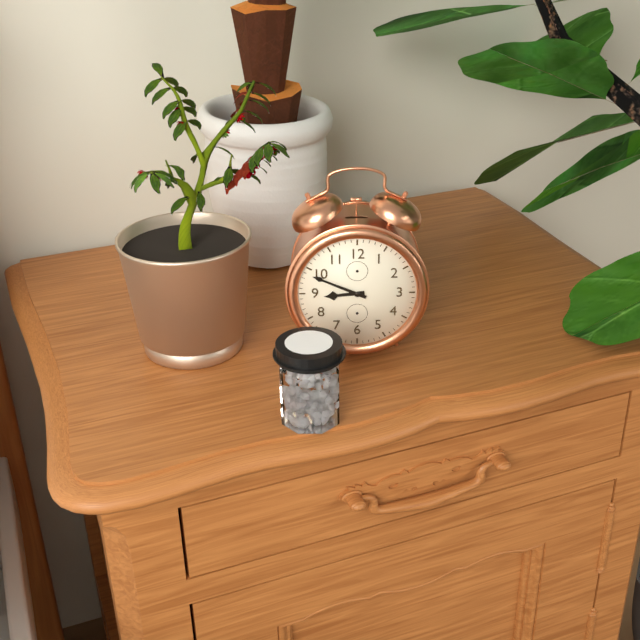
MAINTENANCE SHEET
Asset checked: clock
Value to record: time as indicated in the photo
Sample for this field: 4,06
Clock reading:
8,49
